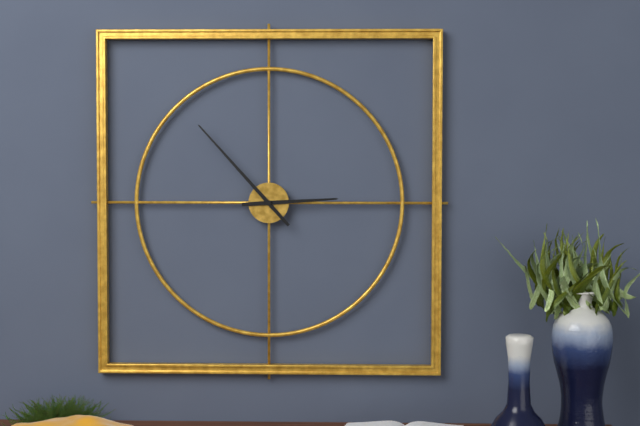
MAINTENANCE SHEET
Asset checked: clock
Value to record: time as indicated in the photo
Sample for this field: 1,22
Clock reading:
2,53
